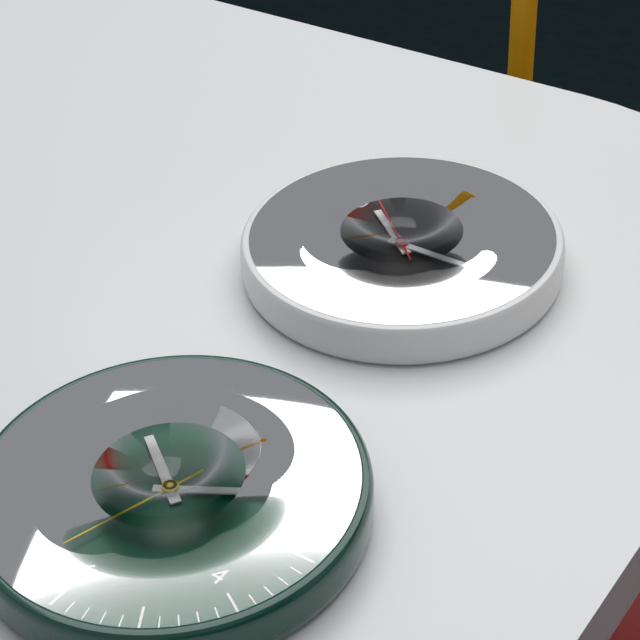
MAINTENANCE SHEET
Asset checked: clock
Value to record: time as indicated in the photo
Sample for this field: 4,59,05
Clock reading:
10,15,52
